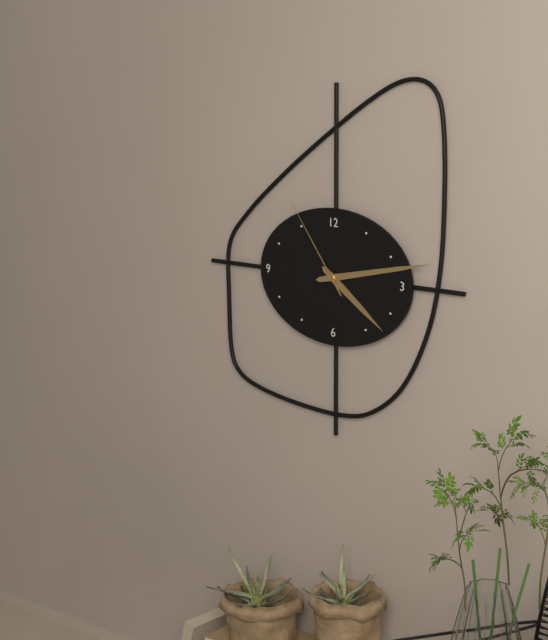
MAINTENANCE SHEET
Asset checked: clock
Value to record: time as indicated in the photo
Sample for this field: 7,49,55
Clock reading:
4,13,54
